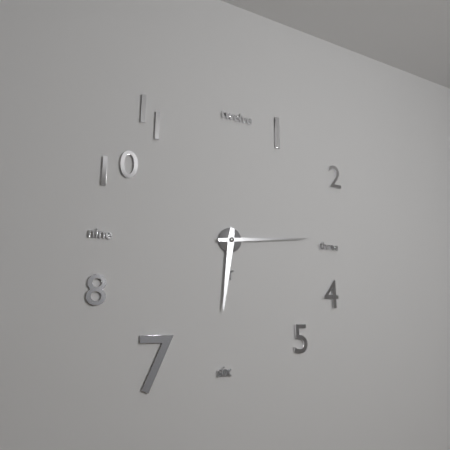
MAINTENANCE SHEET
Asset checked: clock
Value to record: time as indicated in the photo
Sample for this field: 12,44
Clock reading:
6,14
